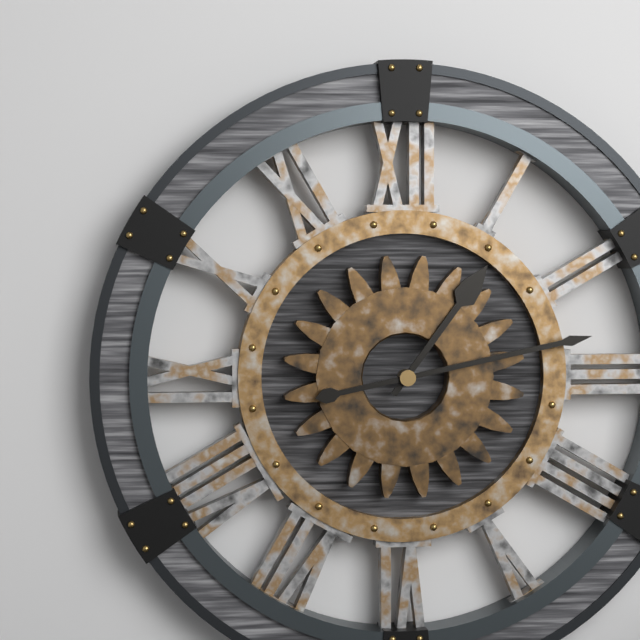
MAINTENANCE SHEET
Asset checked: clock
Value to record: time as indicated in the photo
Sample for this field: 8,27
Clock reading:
1,13
